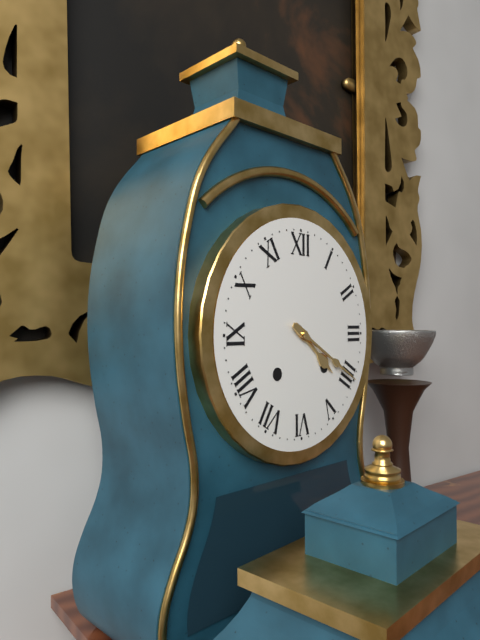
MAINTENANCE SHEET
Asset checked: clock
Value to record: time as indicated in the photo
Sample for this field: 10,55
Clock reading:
4,20
